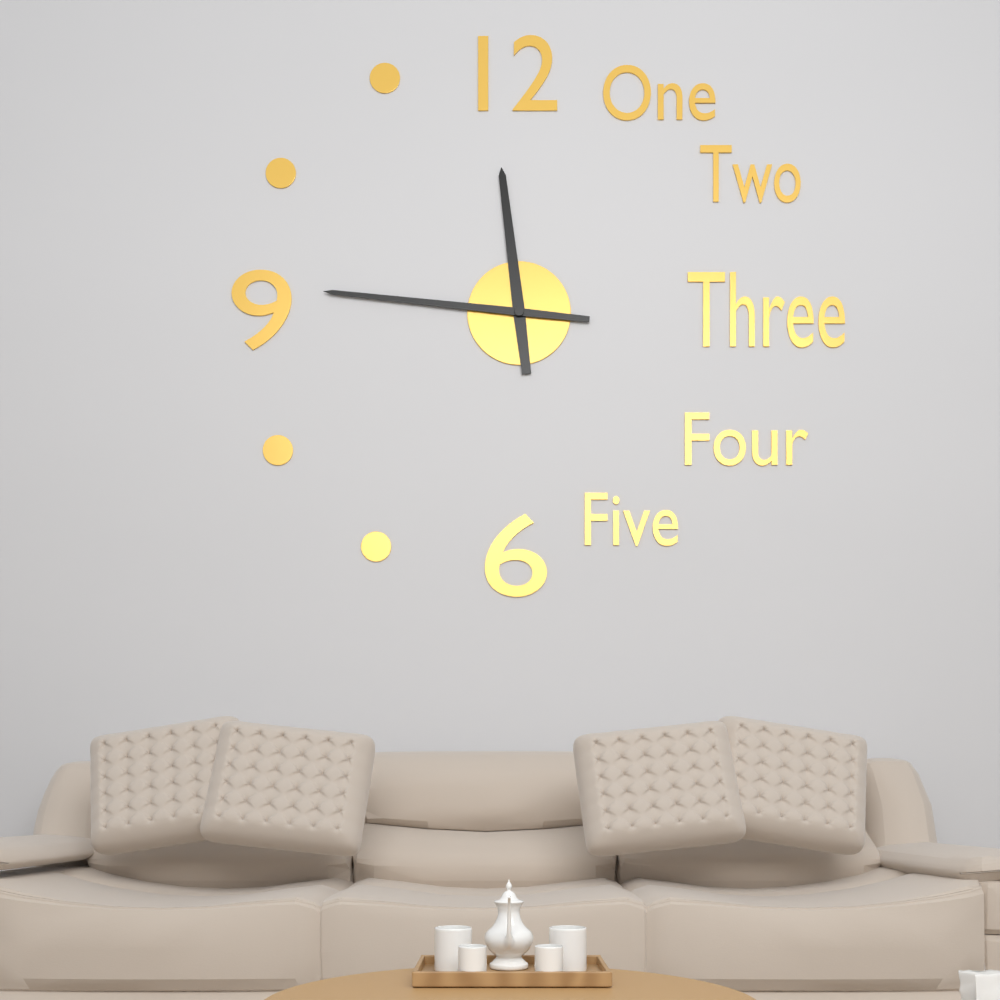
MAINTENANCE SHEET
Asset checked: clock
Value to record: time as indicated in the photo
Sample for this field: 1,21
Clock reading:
11,46
